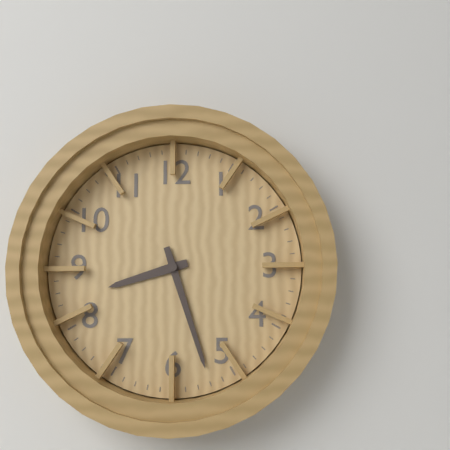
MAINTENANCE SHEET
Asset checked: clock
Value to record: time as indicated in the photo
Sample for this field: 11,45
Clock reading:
8,27
